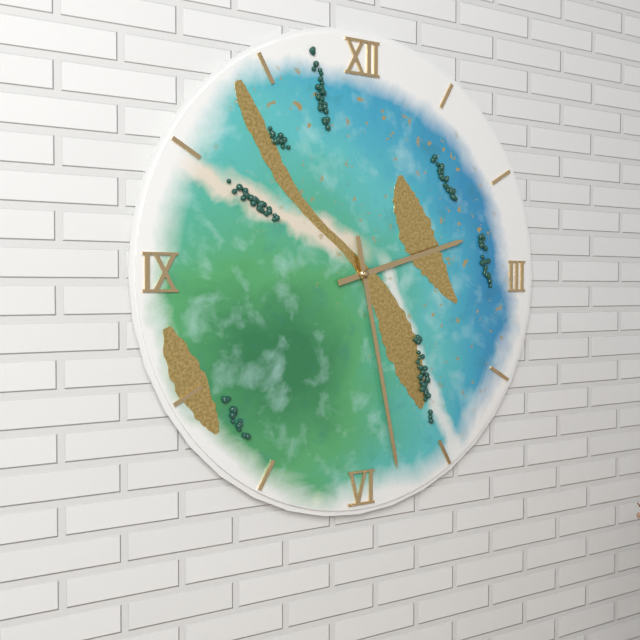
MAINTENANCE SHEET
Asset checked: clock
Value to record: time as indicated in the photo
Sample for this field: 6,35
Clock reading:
2,28
